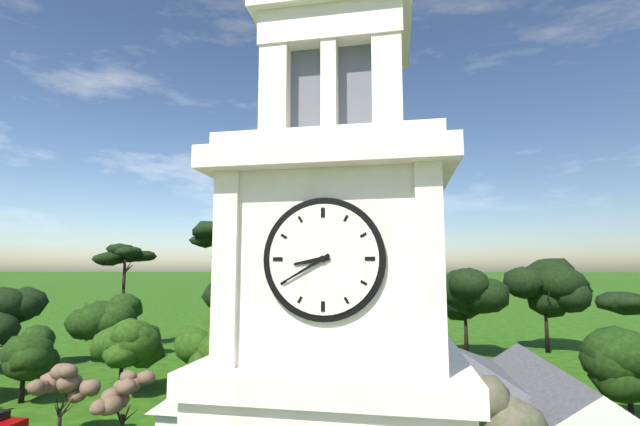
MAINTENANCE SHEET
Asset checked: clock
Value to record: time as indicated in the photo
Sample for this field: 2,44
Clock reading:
8,40
